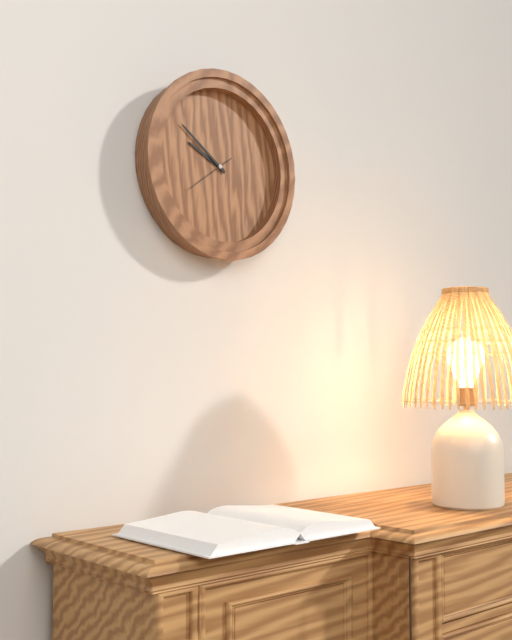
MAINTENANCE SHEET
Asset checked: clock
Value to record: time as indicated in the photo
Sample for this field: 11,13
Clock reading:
9,51
